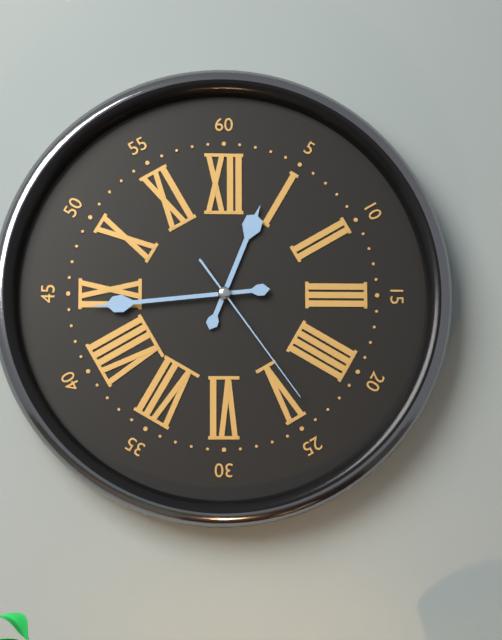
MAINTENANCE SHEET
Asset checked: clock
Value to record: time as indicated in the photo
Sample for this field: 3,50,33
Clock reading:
12,44,24
